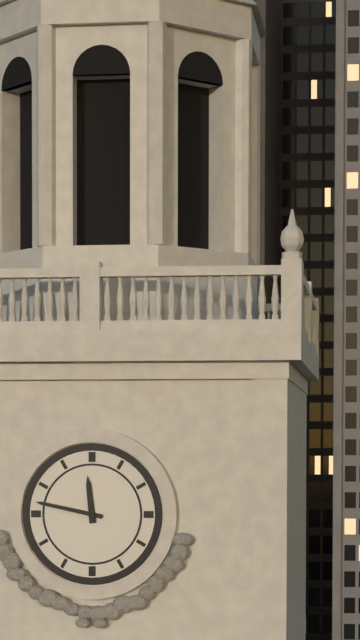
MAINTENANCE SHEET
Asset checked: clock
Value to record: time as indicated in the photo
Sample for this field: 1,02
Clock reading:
11,47
